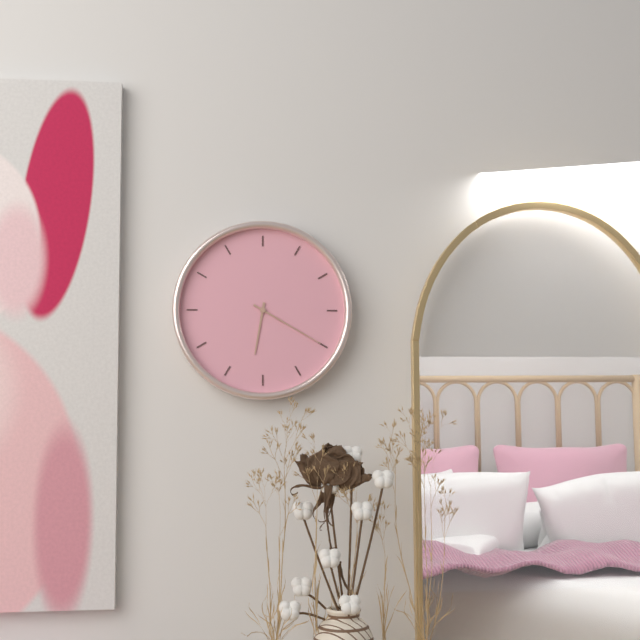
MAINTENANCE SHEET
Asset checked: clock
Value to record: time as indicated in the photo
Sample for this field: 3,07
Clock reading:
6,20
